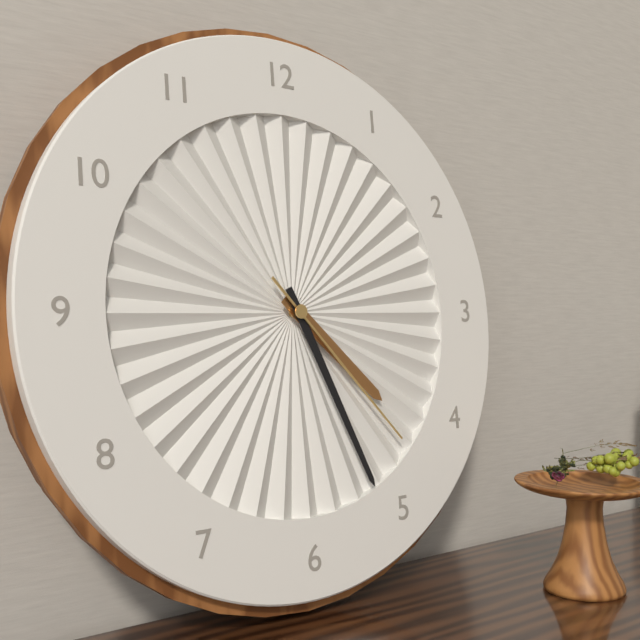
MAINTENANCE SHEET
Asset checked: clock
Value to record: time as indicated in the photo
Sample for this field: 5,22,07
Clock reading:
4,26,23
